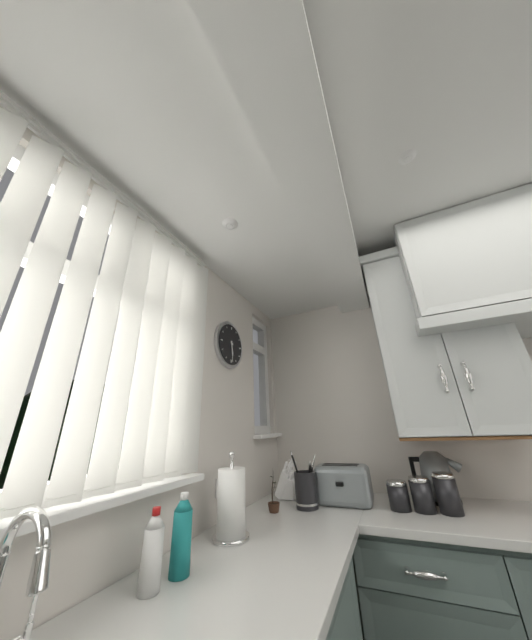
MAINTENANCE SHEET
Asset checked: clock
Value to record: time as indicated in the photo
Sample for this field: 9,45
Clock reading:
5,29
